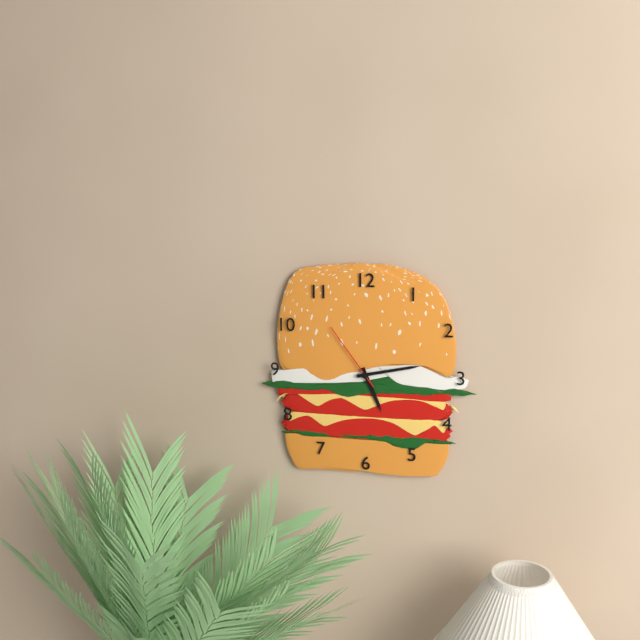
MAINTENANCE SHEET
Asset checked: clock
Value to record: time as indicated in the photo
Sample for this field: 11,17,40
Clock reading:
5,13,54
